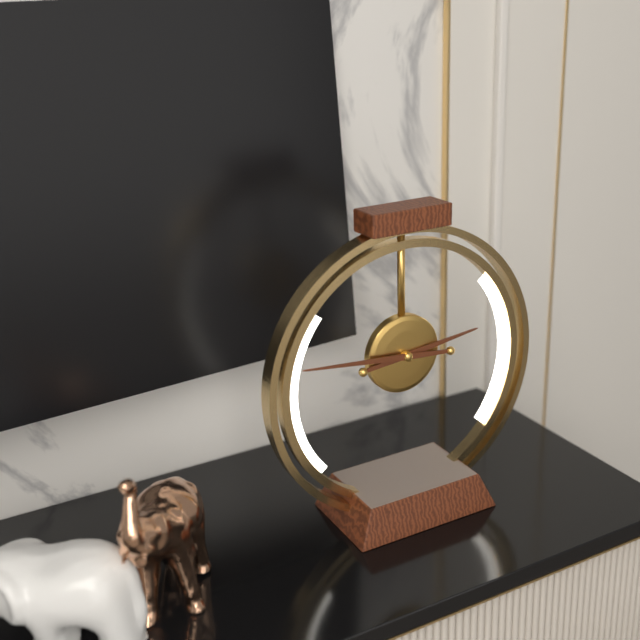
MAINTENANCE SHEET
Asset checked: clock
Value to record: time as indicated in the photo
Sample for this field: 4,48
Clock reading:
2,46
